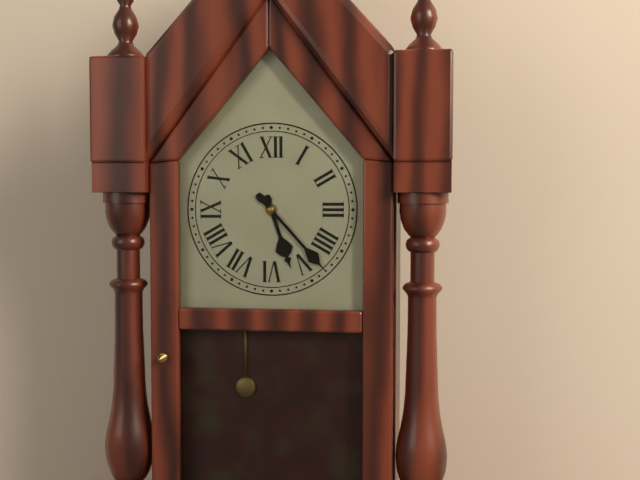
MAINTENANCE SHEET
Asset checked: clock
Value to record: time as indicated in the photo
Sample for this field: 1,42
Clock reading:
5,23
